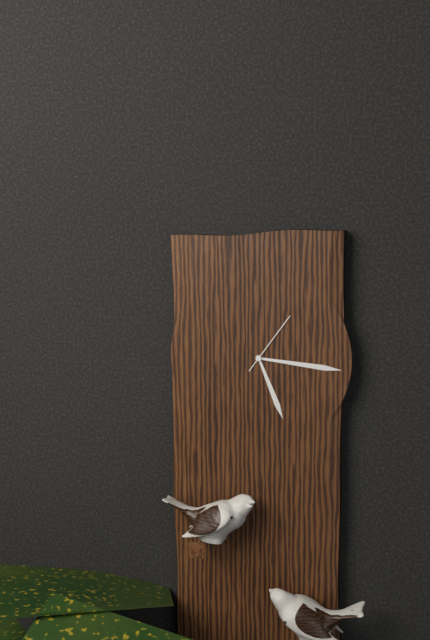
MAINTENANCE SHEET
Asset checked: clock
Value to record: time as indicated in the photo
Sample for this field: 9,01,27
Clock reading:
5,16,06
